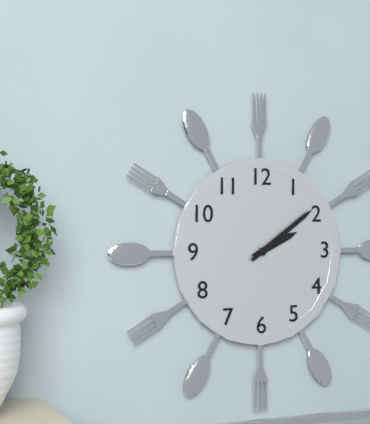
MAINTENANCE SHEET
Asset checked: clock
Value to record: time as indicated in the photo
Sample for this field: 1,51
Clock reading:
2,09
